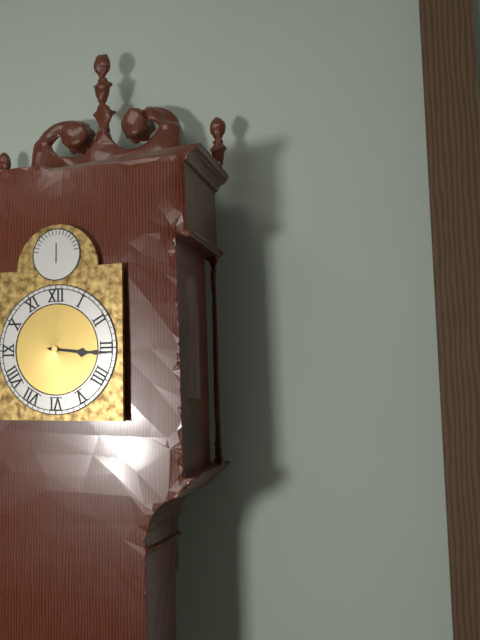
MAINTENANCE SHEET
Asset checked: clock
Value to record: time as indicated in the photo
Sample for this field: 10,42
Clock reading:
3,16
